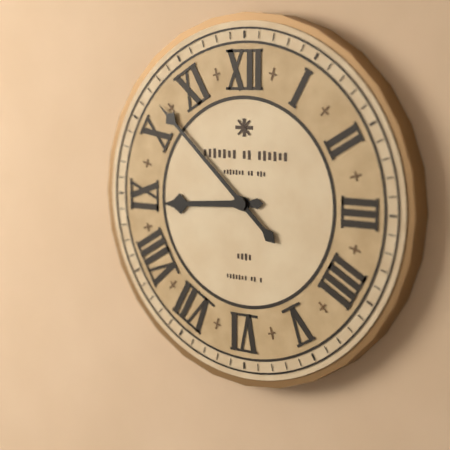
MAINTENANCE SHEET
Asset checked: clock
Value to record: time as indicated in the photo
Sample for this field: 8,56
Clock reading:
8,52
